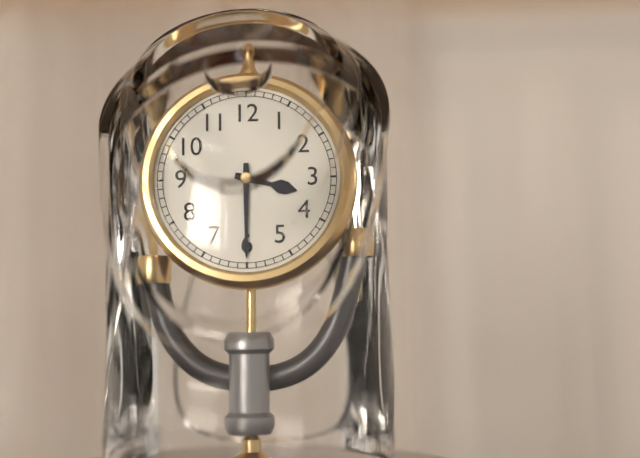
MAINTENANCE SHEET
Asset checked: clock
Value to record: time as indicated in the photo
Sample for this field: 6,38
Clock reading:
3,30
